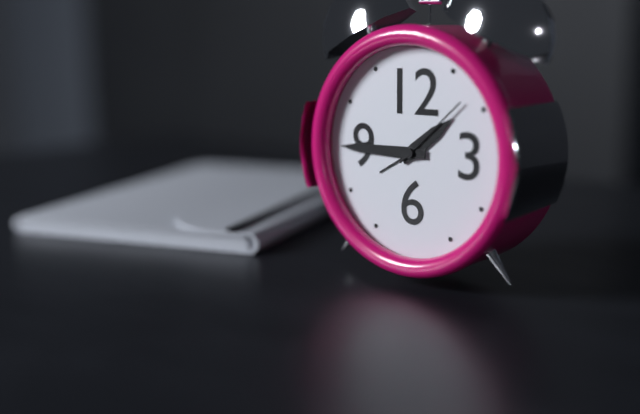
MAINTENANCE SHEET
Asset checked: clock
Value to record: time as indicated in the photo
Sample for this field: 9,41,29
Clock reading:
1,45,08
